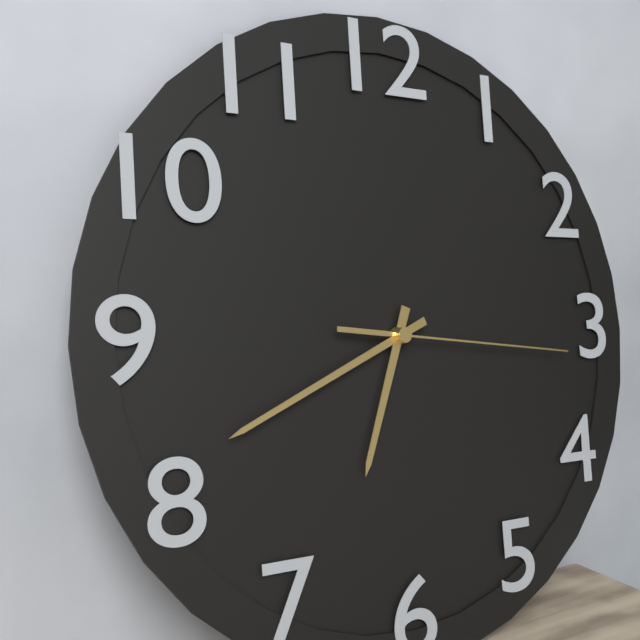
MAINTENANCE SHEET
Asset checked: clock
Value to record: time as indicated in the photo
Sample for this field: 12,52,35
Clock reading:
6,41,16
